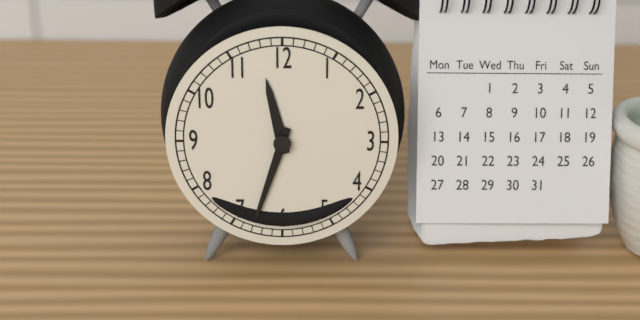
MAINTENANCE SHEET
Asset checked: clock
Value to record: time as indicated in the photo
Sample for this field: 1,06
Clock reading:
11,33
